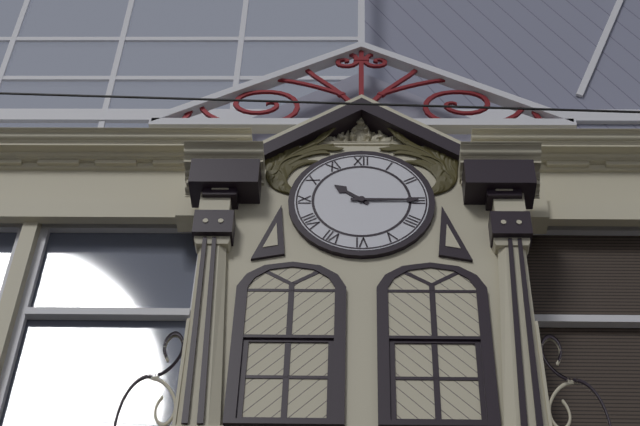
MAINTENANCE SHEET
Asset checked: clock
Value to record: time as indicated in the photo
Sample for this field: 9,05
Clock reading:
10,15
